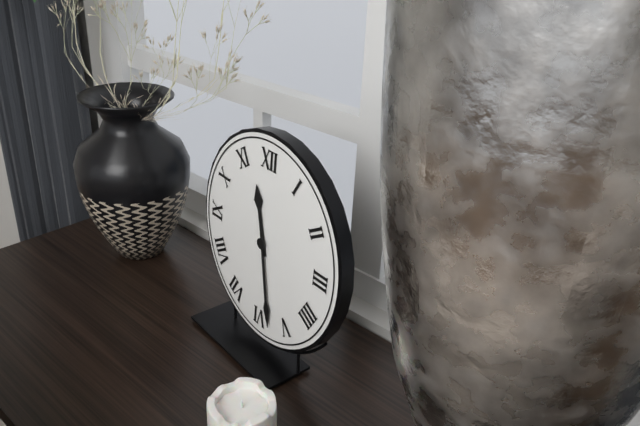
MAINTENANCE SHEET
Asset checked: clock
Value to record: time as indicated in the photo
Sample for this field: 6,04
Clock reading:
11,28
